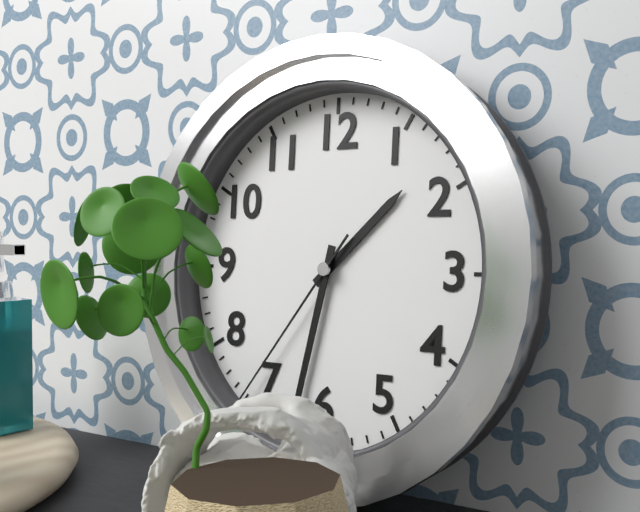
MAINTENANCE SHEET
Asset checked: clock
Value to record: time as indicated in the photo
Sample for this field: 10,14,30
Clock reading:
1,32,36
